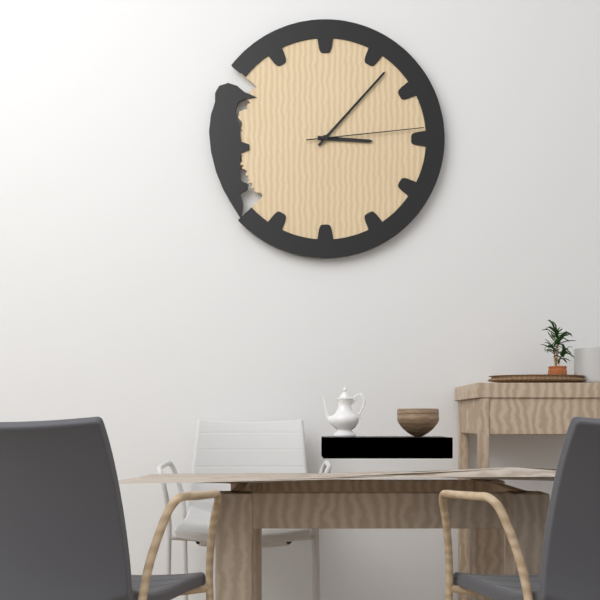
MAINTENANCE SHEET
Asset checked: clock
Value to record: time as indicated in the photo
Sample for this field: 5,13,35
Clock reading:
3,07,14
